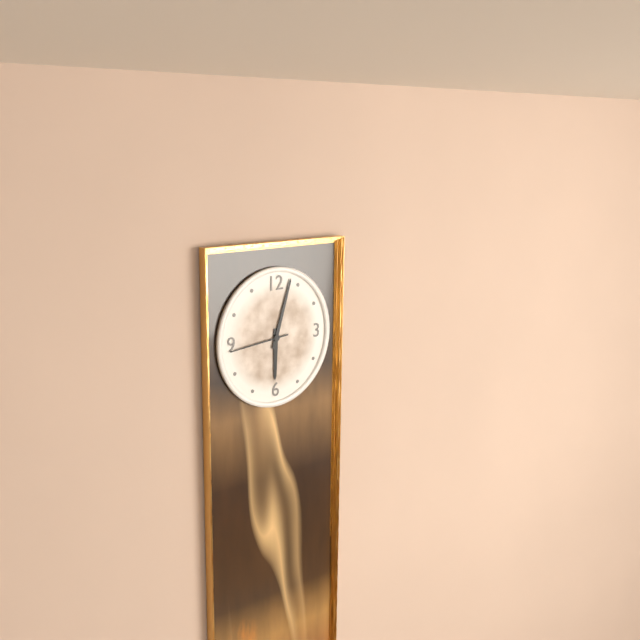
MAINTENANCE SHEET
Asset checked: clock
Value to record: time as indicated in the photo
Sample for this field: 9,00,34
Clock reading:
6,03,44
